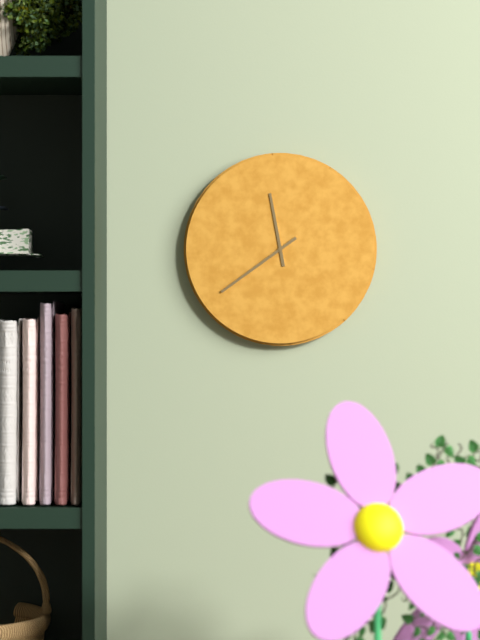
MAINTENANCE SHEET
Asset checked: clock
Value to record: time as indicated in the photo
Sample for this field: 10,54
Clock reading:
11,39
